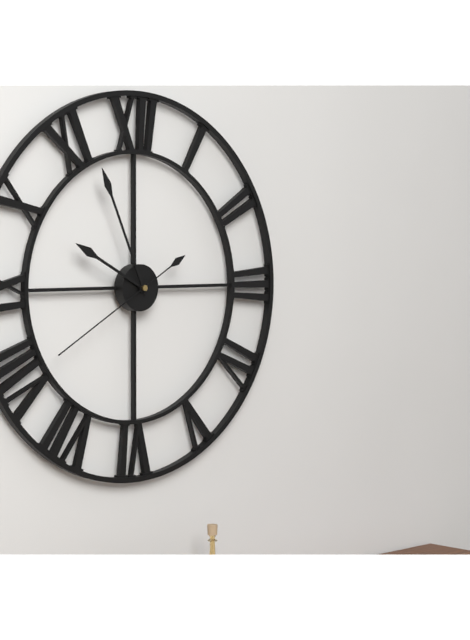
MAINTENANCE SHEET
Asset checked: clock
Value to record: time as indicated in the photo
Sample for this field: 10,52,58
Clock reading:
9,56,40
